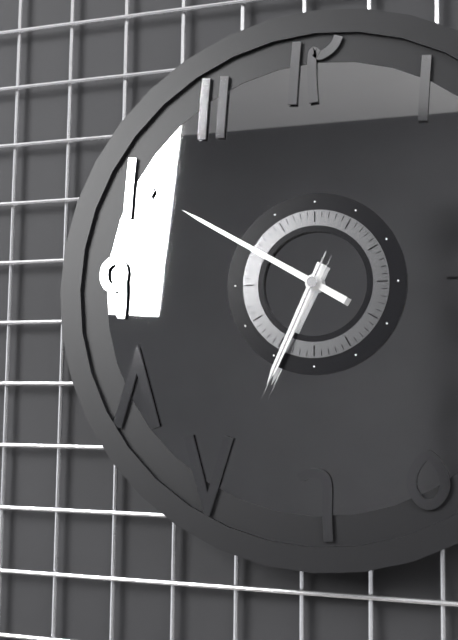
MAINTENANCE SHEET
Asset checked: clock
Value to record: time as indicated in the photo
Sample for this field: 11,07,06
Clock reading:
6,50,34
